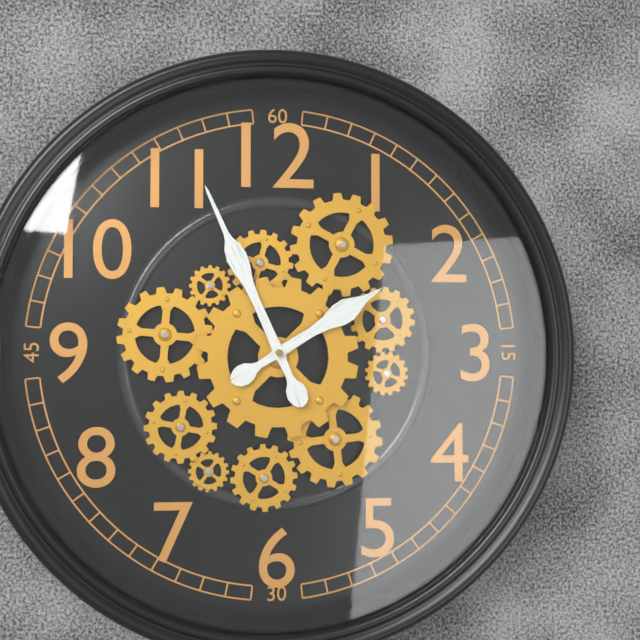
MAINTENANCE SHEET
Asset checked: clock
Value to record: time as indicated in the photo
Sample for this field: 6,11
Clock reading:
1,56
